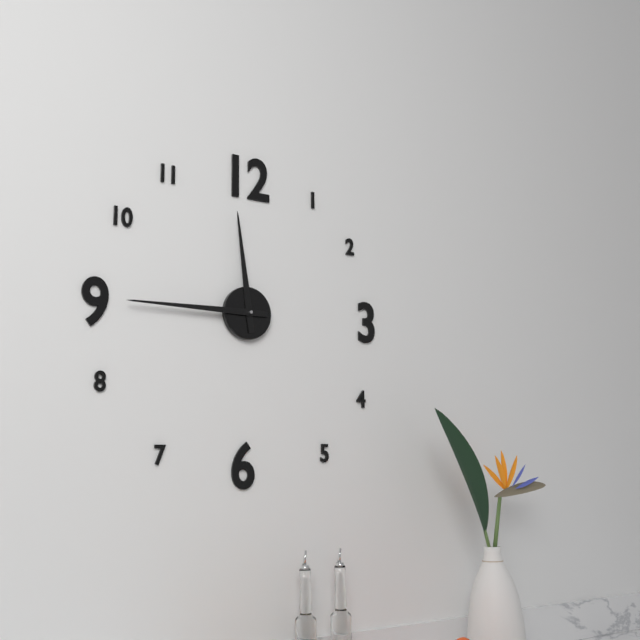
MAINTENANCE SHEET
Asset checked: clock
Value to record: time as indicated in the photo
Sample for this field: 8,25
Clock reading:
11,45
